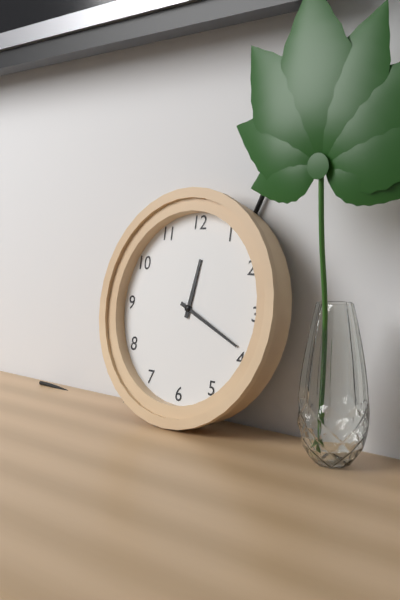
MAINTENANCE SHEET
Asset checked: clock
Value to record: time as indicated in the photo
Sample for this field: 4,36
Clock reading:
12,19
